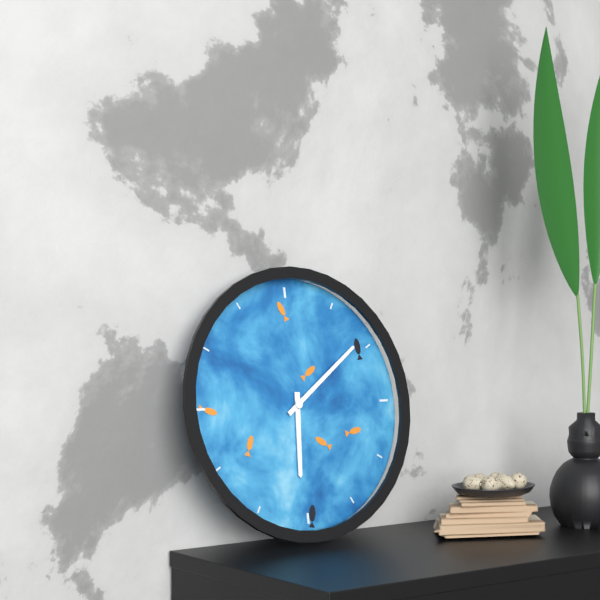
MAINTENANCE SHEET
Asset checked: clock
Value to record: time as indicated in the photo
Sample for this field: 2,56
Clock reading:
6,09
